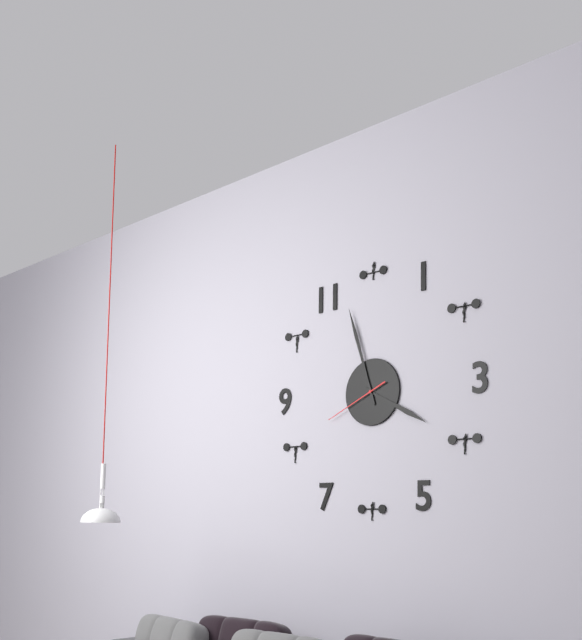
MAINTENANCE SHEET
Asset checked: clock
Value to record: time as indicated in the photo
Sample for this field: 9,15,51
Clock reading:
3,57,41
